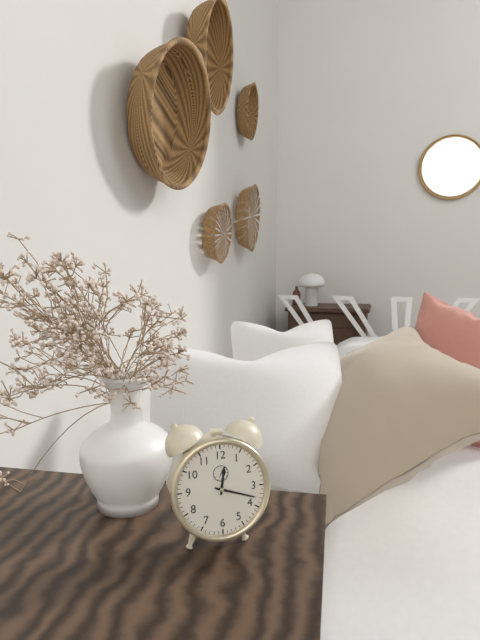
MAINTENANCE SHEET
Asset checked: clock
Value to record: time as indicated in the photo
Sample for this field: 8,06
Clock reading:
12,18
